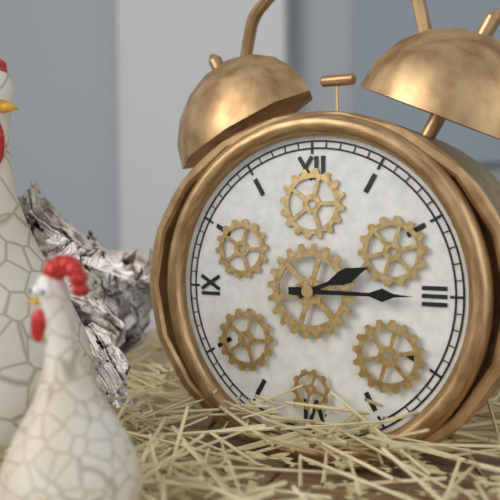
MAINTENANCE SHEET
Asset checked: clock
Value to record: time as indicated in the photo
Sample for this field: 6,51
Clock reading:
2,15
